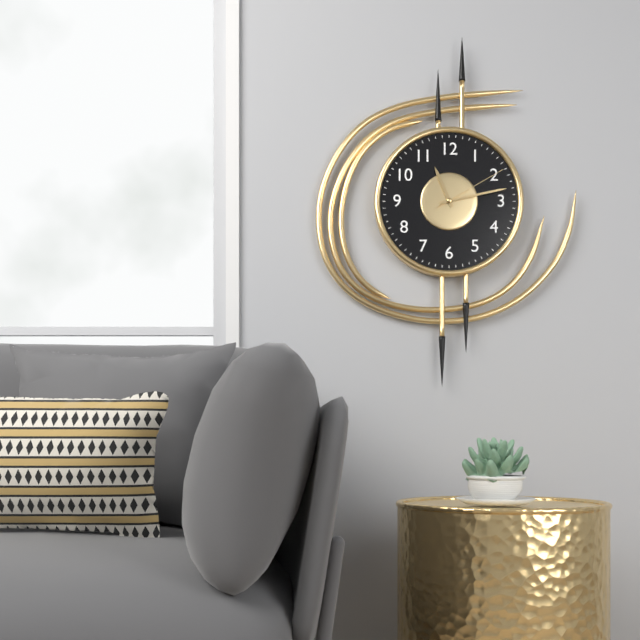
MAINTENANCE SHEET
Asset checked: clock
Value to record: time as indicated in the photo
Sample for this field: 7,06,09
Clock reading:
11,13,10
